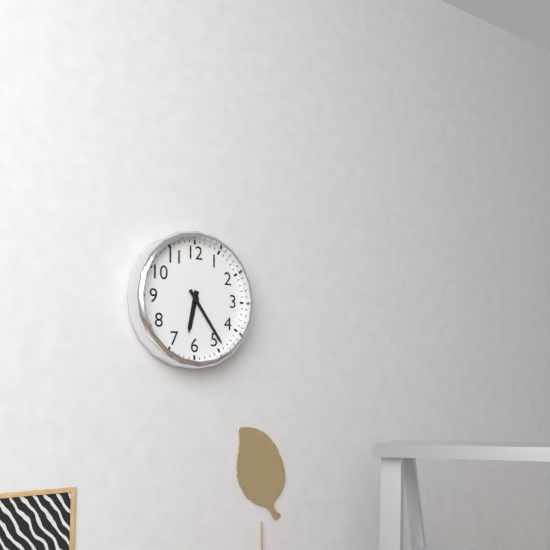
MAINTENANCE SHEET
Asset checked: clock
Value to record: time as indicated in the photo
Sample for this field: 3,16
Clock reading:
6,24
